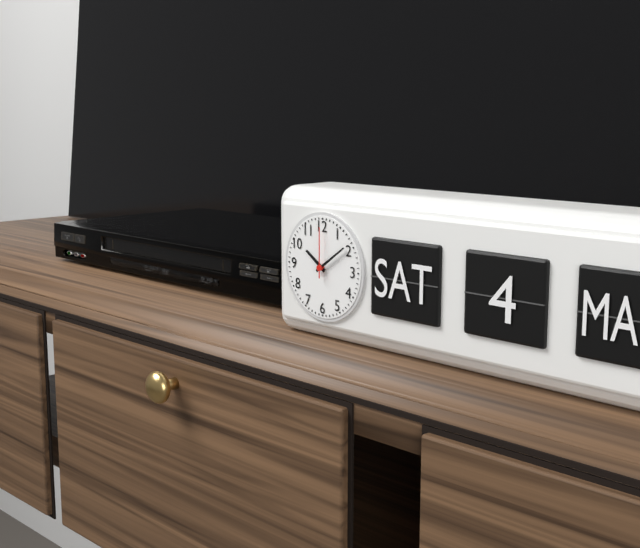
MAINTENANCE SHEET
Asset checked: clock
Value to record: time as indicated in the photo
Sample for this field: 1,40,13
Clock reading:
10,09,00
